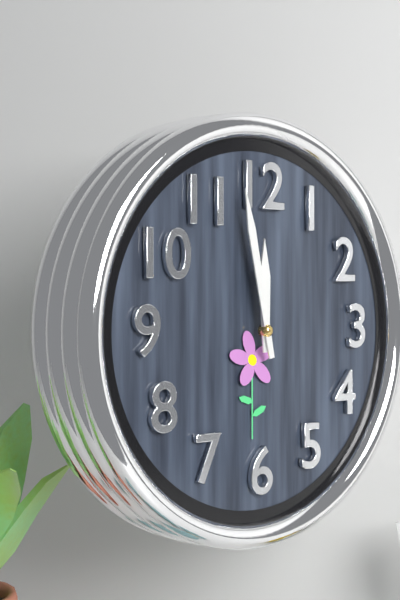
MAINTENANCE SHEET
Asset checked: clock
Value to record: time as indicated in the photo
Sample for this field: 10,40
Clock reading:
11,58
